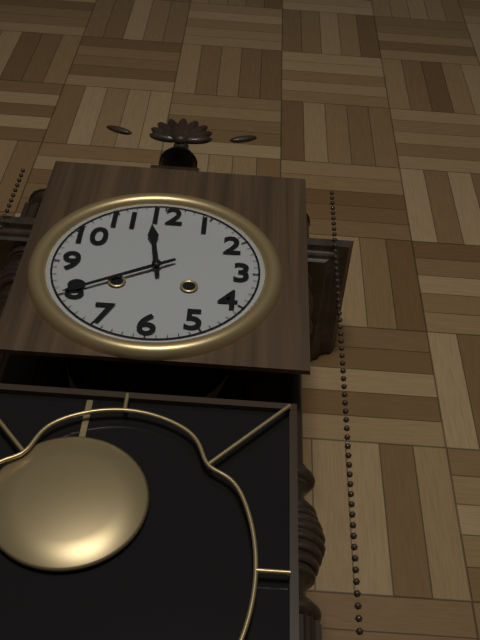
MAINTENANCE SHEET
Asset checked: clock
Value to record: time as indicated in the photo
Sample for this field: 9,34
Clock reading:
11,40
